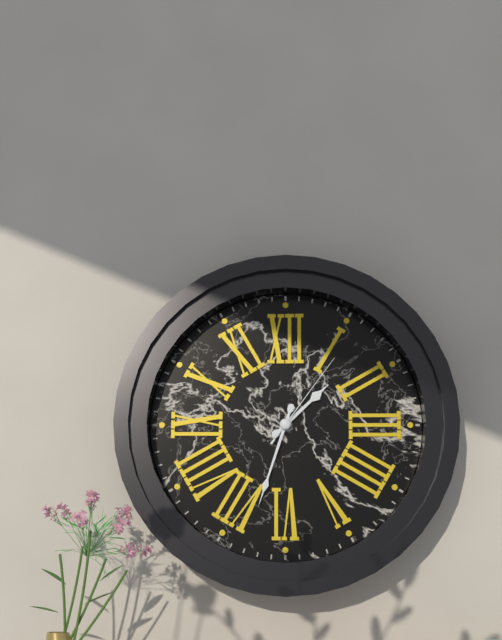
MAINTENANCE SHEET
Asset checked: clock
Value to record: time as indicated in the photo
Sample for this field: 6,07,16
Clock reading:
1,33,06
